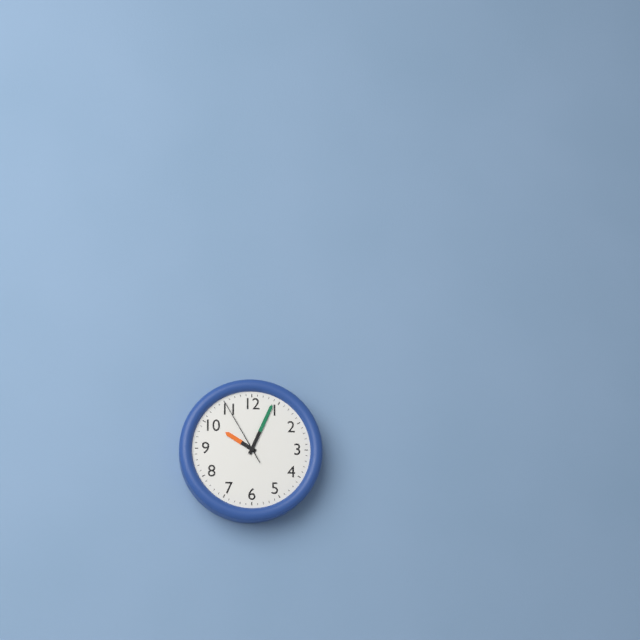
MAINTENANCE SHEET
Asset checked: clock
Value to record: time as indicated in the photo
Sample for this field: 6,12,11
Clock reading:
10,04,55
